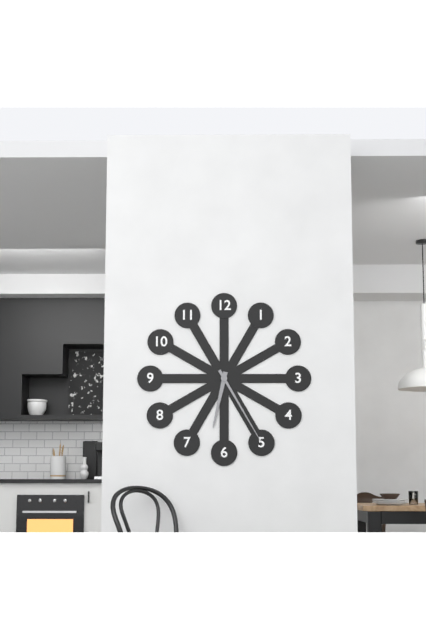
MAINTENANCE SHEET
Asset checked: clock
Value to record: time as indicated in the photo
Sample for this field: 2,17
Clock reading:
6,25
